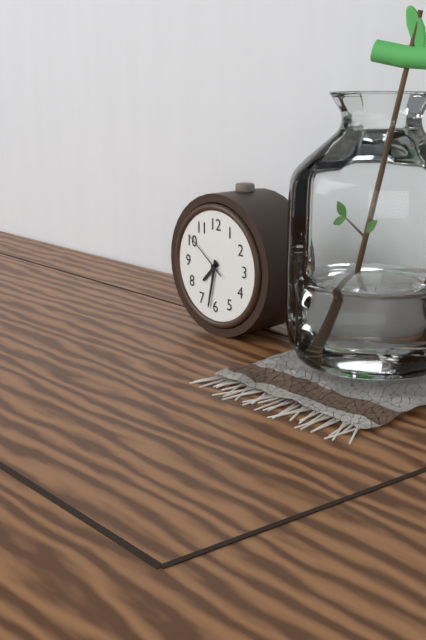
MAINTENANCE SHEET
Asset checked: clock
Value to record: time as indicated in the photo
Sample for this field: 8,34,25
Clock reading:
7,32,51
